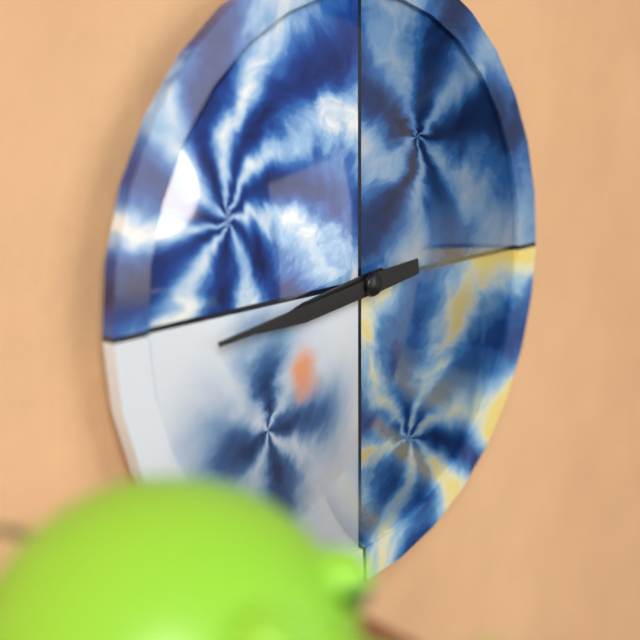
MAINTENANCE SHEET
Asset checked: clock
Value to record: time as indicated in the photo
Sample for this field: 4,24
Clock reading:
8,44
